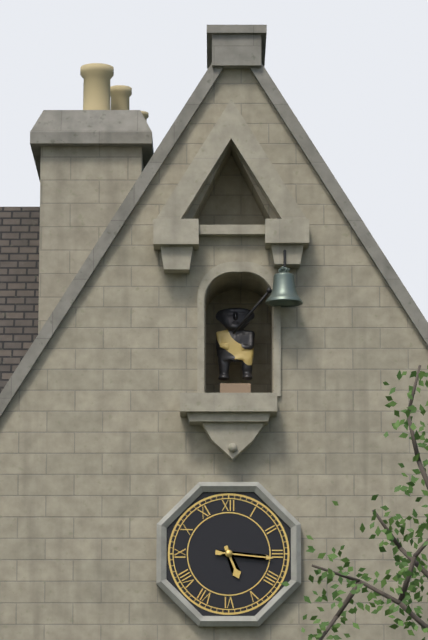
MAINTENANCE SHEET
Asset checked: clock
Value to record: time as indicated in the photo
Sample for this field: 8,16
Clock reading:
5,16
